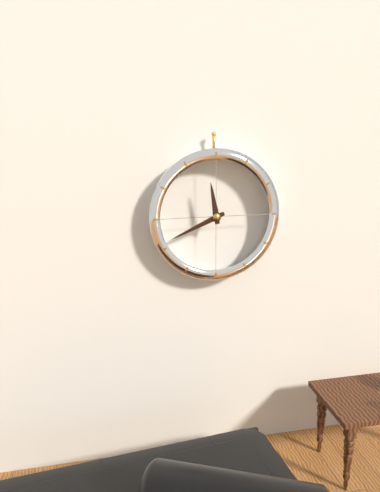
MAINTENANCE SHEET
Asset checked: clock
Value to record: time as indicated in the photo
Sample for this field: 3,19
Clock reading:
11,41
